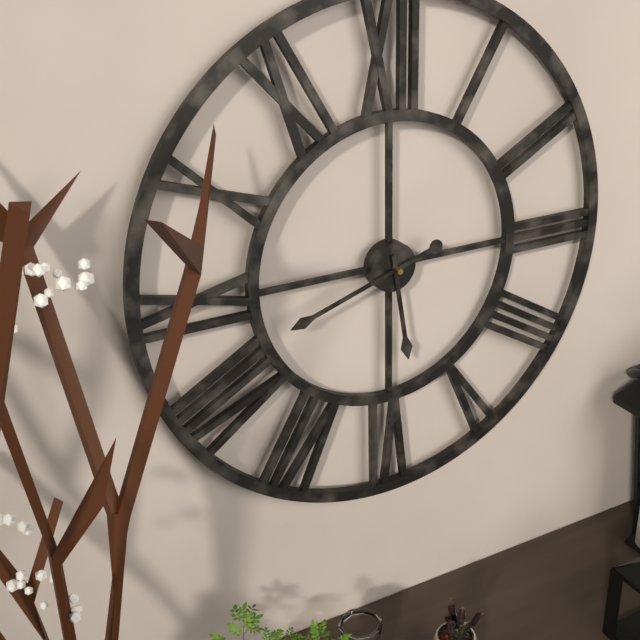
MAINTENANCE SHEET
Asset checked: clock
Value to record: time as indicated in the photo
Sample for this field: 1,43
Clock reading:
5,42
